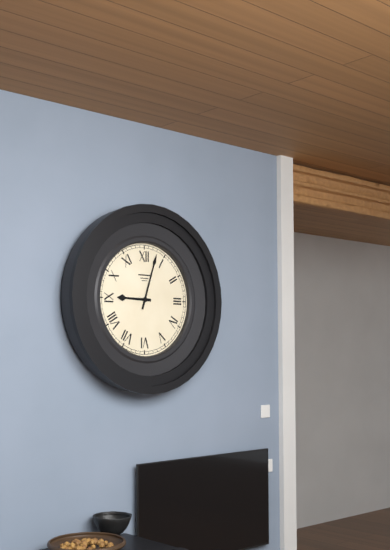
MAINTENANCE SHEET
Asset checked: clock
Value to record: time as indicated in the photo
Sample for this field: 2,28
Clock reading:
9,03
